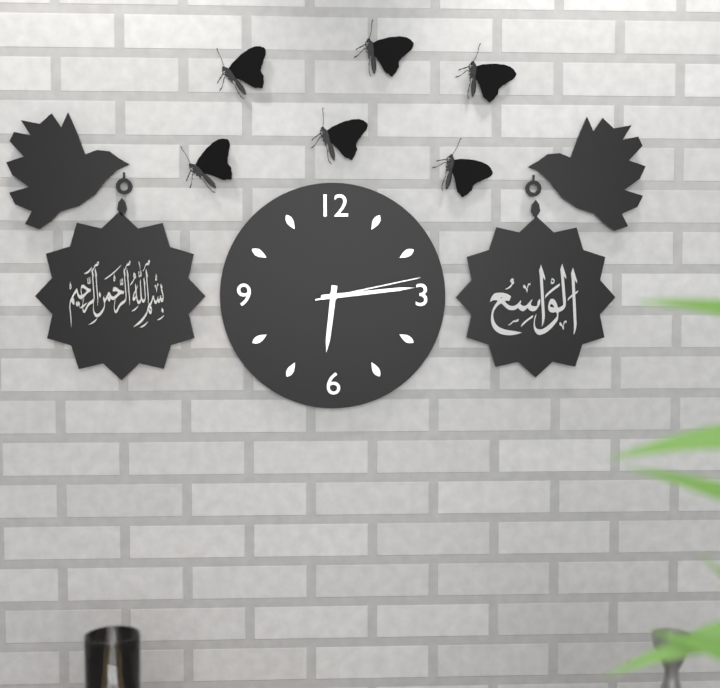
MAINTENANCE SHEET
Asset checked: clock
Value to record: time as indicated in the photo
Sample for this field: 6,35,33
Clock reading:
6,14,13
